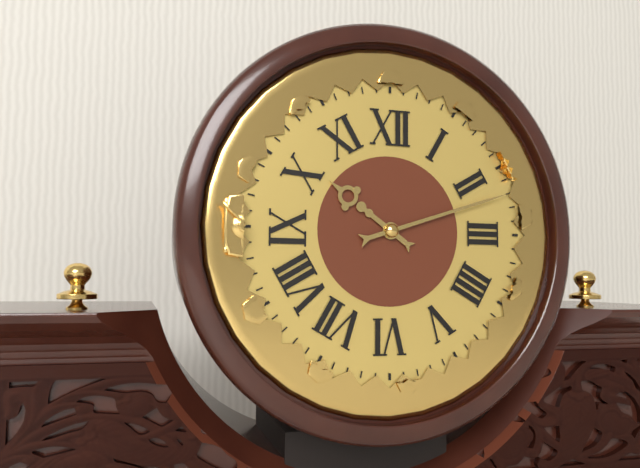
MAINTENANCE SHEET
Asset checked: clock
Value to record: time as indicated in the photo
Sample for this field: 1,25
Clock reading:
10,12
